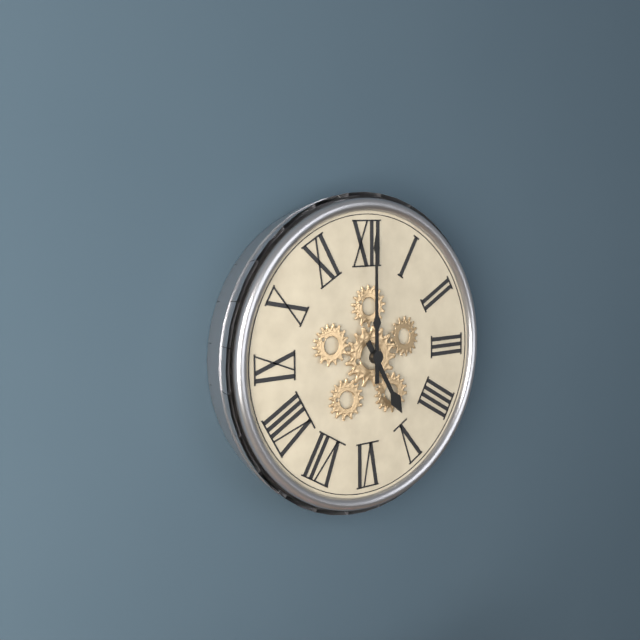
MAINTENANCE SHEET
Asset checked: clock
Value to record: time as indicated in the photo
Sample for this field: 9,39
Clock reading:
5,00
